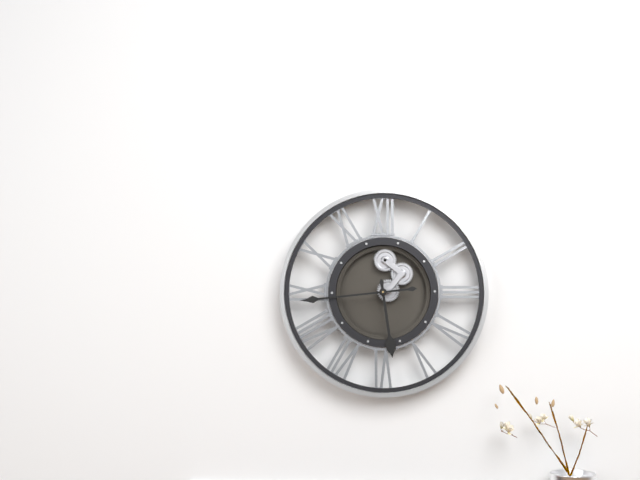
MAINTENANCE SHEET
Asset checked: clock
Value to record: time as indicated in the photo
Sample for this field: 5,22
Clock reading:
5,44
